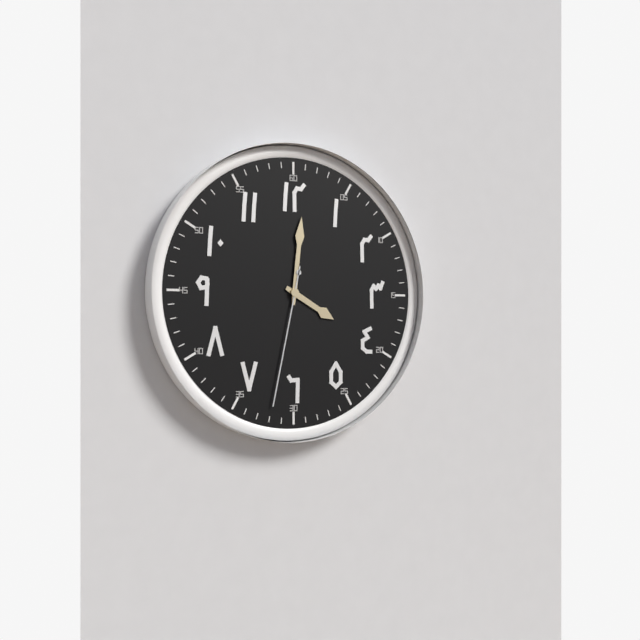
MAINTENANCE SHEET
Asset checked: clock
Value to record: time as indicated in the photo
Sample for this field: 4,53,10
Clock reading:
4,01,32
